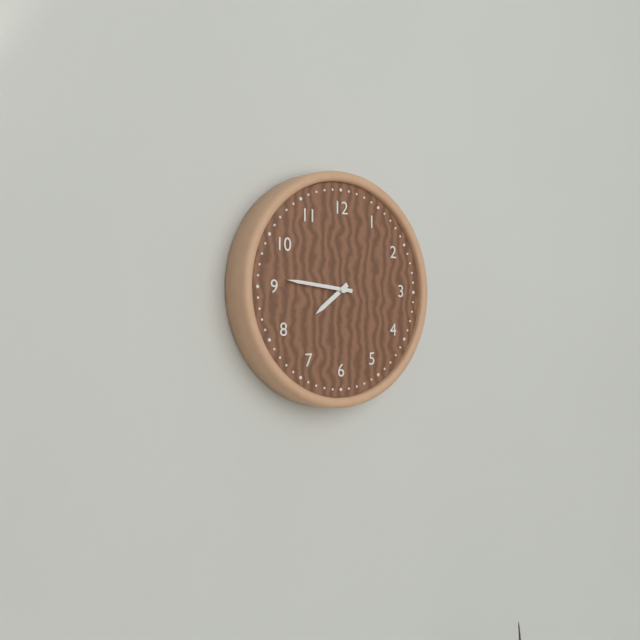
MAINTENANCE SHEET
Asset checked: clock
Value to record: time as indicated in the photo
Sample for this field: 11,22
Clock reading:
7,46
